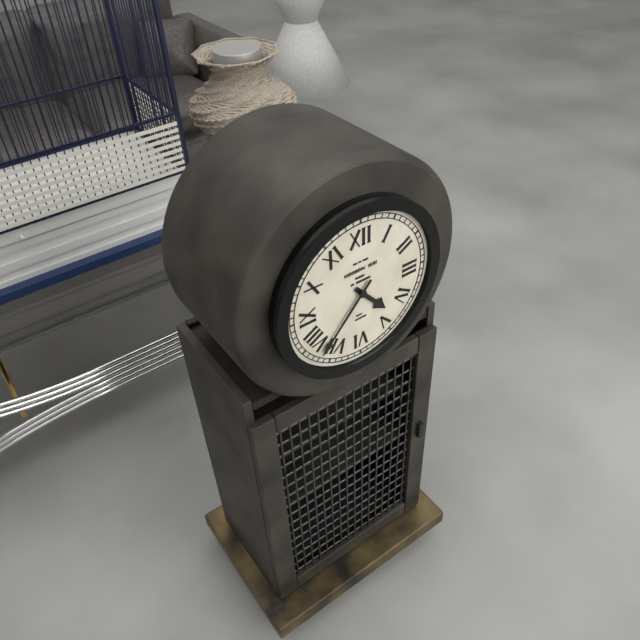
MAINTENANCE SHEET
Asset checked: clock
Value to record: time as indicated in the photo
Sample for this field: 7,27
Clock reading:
4,37
